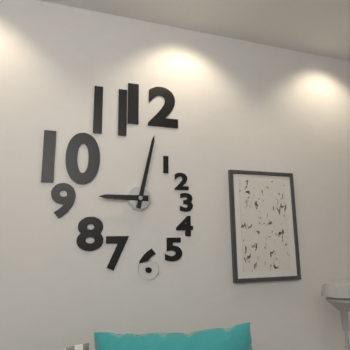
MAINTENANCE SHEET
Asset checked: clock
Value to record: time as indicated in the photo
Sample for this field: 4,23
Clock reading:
9,02
